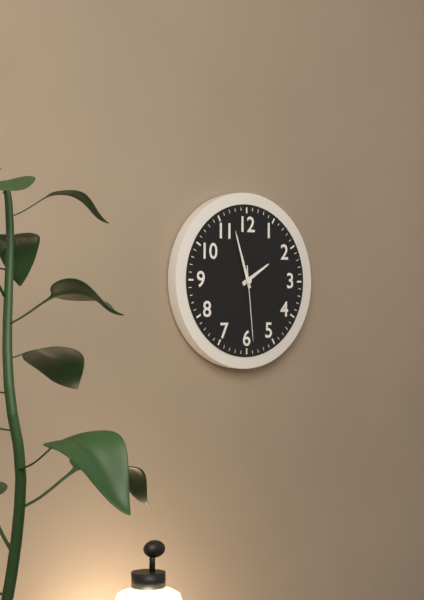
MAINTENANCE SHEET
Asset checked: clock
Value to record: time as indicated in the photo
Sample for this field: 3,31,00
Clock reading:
1,57,29
